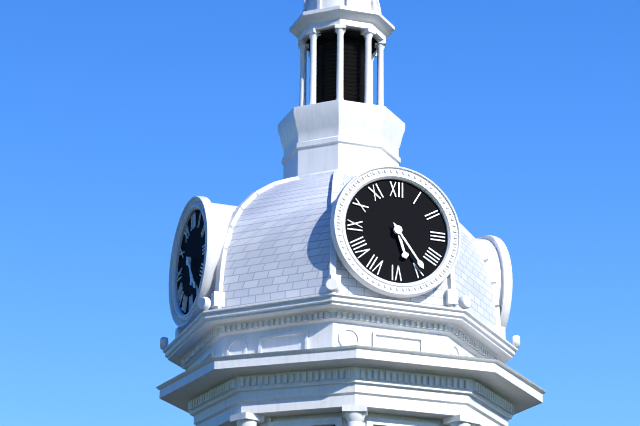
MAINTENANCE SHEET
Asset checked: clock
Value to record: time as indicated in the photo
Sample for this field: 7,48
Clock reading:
5,24
